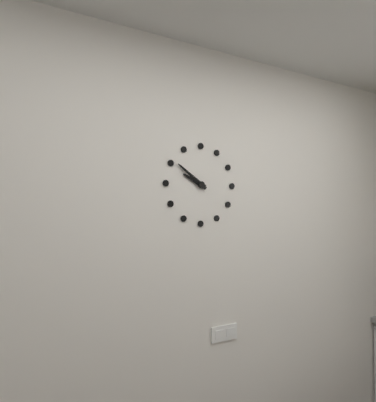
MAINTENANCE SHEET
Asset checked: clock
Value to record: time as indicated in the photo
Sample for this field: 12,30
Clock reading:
9,51
